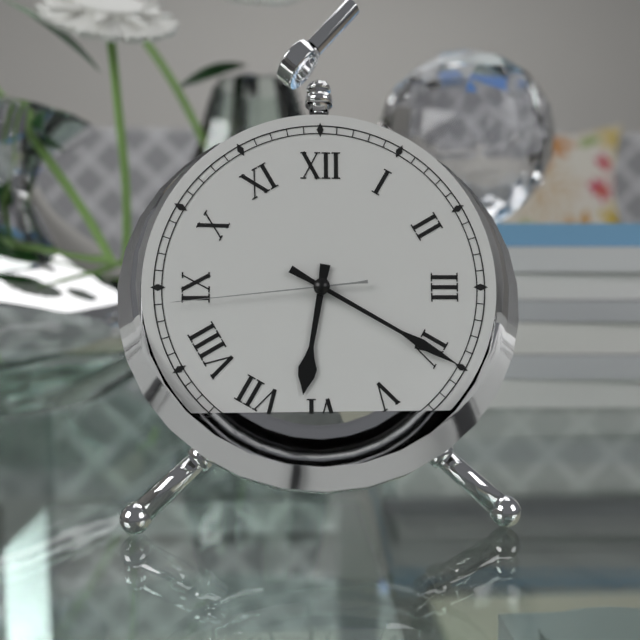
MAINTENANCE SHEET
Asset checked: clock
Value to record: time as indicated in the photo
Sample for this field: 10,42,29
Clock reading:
6,20,44
